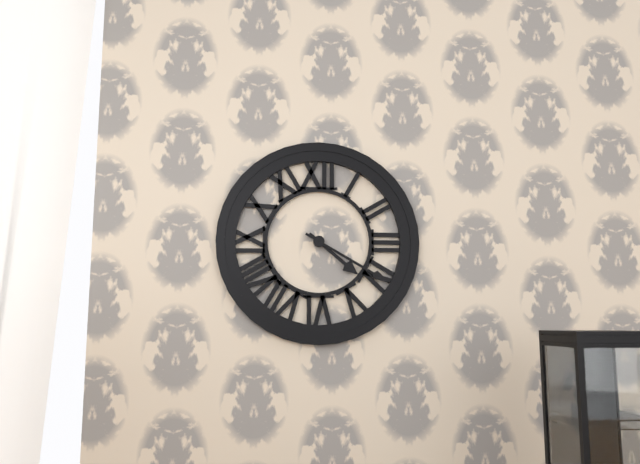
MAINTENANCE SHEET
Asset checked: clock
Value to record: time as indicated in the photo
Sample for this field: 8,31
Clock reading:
4,20
